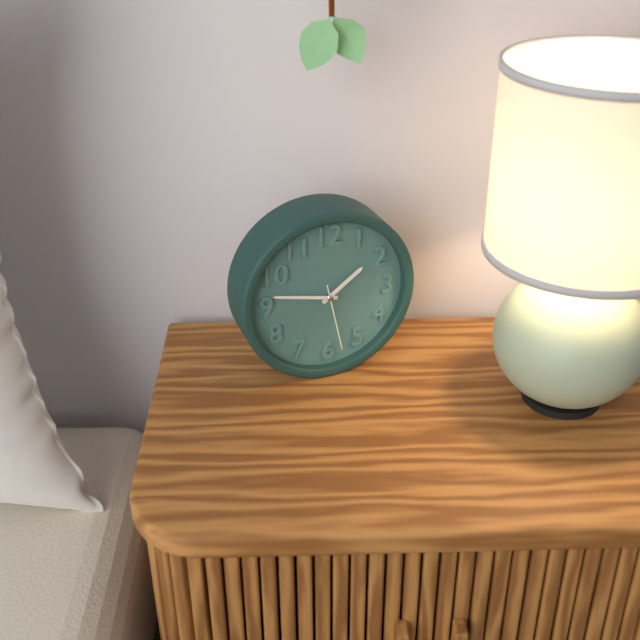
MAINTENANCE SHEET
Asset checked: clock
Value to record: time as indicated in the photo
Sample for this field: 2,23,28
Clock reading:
1,47,28
